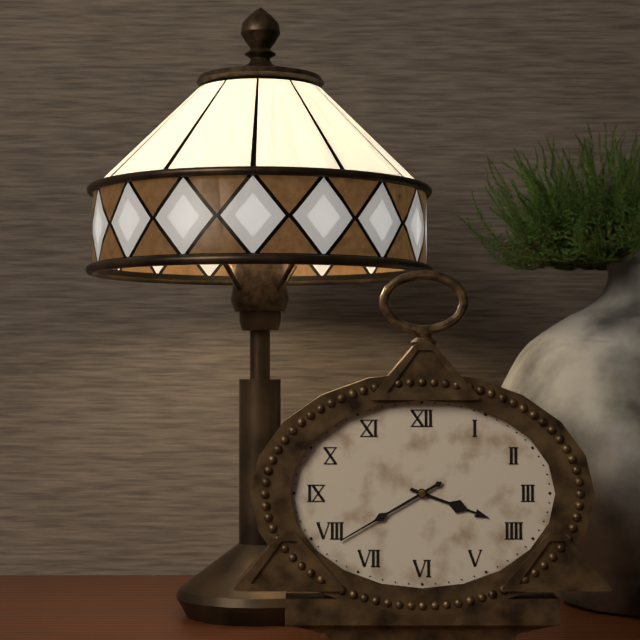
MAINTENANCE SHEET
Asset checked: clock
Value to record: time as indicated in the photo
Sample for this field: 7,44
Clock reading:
3,40
